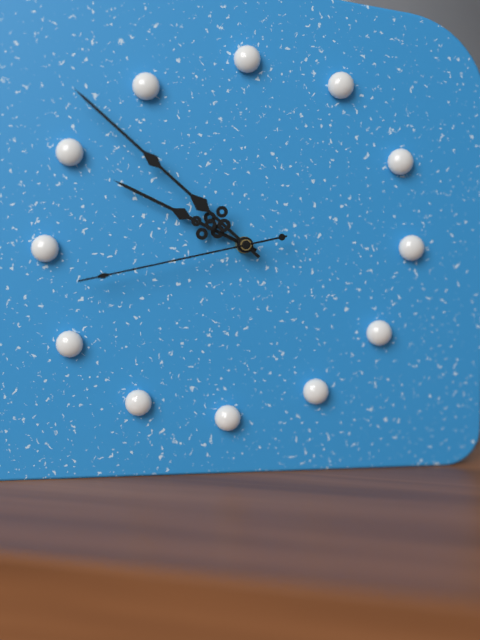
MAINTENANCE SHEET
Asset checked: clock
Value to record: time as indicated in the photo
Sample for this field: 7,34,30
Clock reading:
9,52,43
